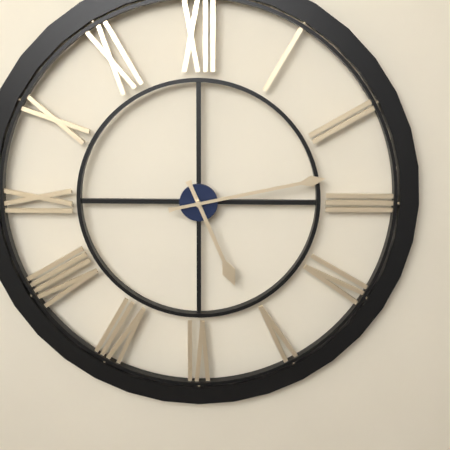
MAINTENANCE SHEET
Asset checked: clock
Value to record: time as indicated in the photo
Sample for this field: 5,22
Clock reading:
5,13
